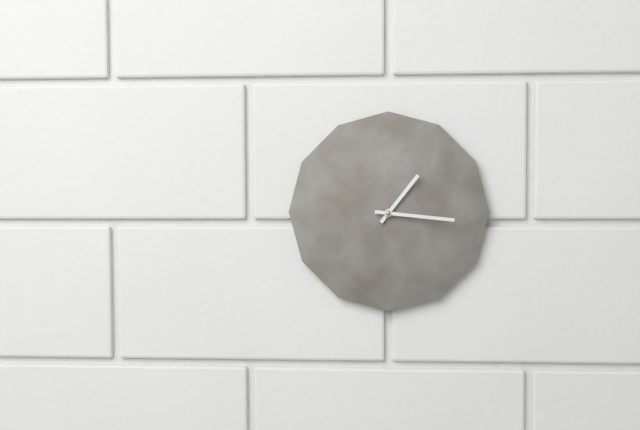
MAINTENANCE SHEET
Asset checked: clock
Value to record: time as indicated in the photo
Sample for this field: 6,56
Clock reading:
1,16
